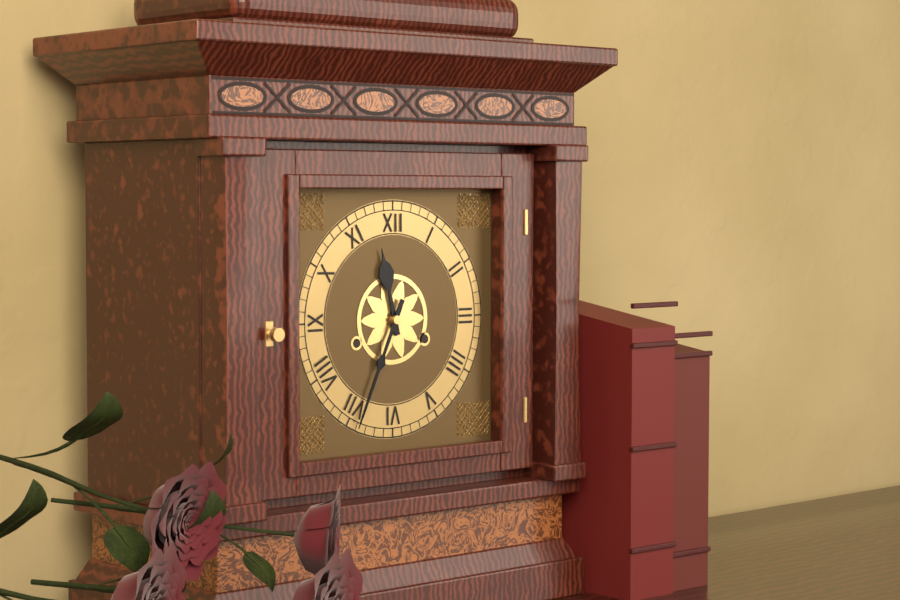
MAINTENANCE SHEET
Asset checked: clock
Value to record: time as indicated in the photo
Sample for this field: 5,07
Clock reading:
11,34
